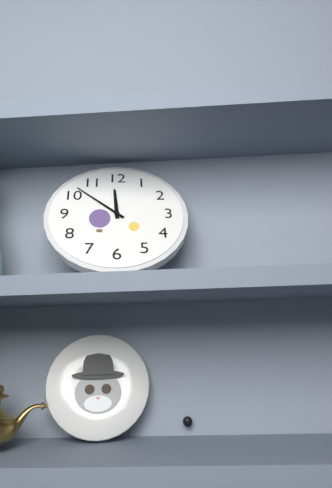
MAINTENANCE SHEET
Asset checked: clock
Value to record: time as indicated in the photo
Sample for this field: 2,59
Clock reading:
11,52
